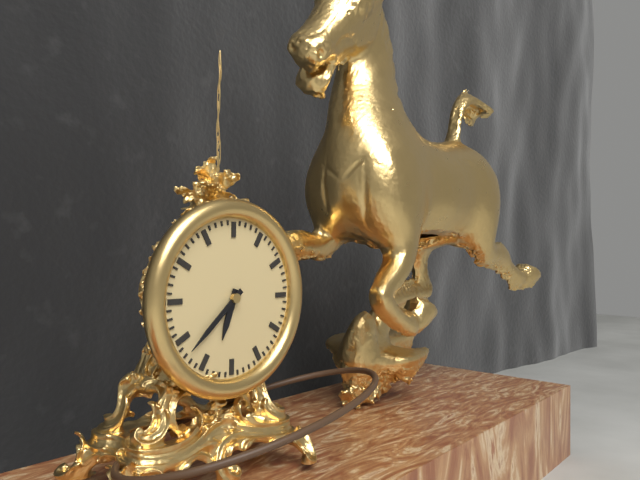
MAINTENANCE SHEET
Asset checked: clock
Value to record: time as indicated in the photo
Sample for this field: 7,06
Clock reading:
6,38
